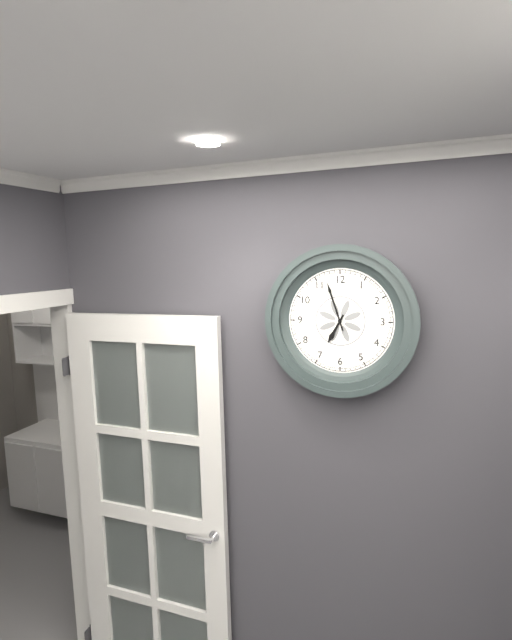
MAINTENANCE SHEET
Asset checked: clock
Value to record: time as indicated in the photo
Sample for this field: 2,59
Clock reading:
6,57
